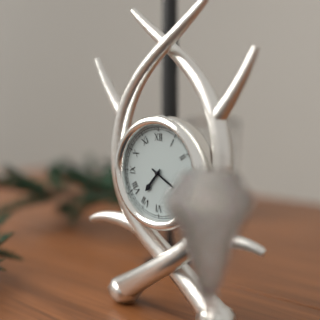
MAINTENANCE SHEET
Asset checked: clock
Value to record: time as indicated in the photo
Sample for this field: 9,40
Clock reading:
7,20
